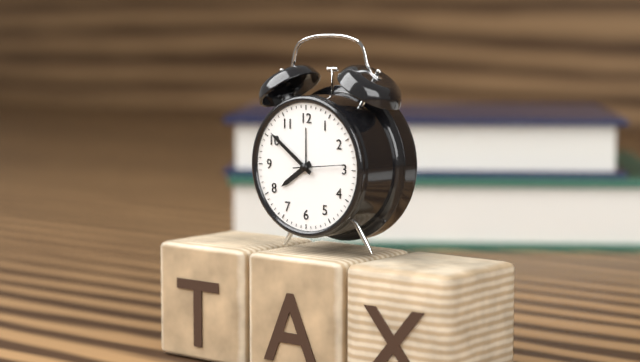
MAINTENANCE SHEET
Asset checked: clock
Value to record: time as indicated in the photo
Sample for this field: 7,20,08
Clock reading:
7,51,14
